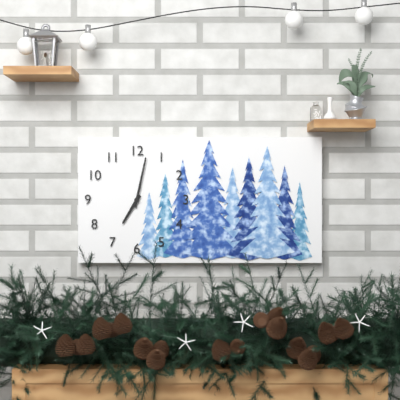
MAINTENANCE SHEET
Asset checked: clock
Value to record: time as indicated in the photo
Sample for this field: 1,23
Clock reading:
7,02
